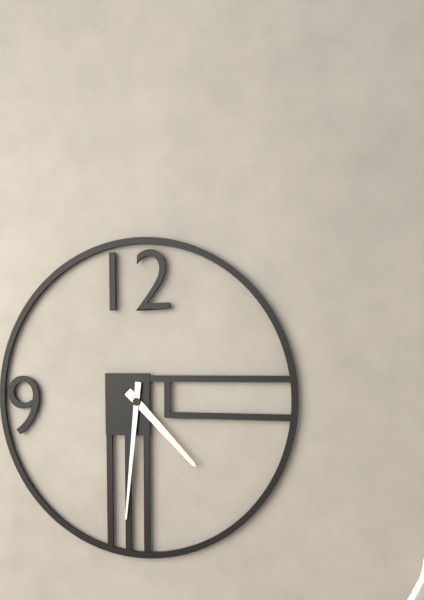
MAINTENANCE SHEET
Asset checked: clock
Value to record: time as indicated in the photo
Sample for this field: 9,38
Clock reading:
4,31
